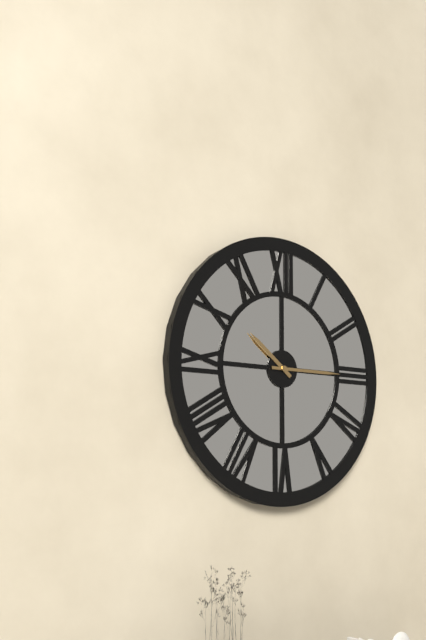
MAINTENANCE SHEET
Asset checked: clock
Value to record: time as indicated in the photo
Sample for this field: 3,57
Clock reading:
10,15
